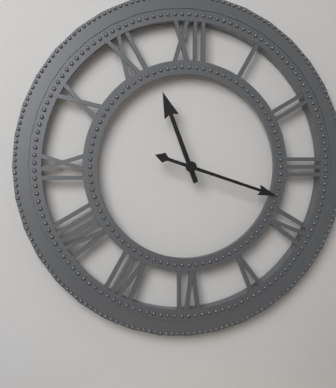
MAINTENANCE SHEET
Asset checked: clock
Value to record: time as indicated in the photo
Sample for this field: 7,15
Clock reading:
11,18
